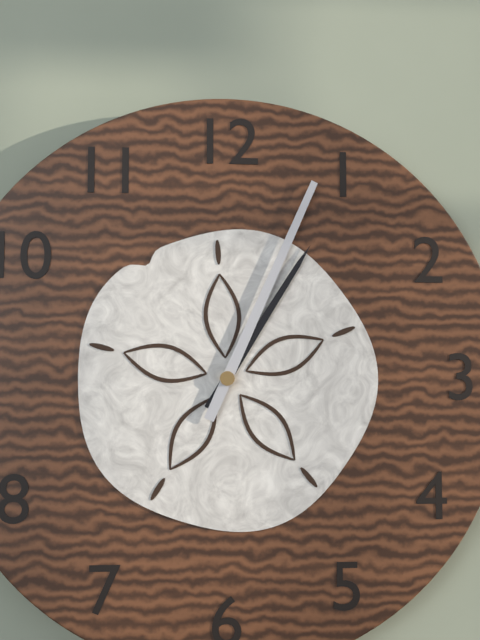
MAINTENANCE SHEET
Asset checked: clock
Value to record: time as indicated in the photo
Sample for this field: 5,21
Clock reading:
1,04
